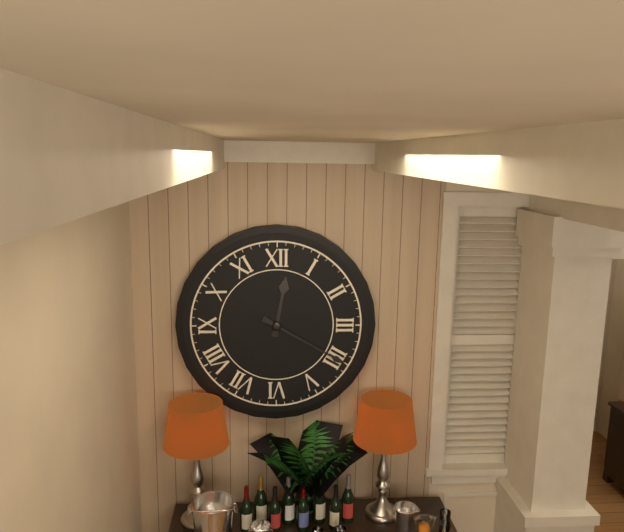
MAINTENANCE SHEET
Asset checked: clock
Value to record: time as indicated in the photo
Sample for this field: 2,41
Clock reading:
12,20
